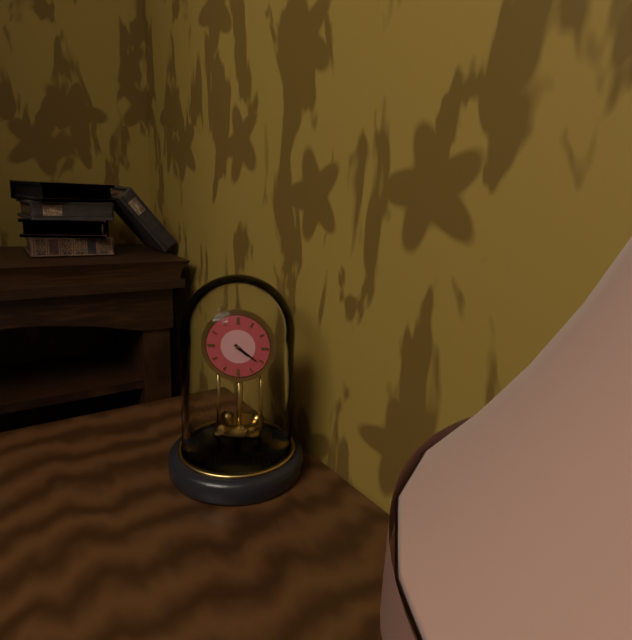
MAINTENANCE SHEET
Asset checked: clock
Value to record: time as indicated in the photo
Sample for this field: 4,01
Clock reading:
4,21
